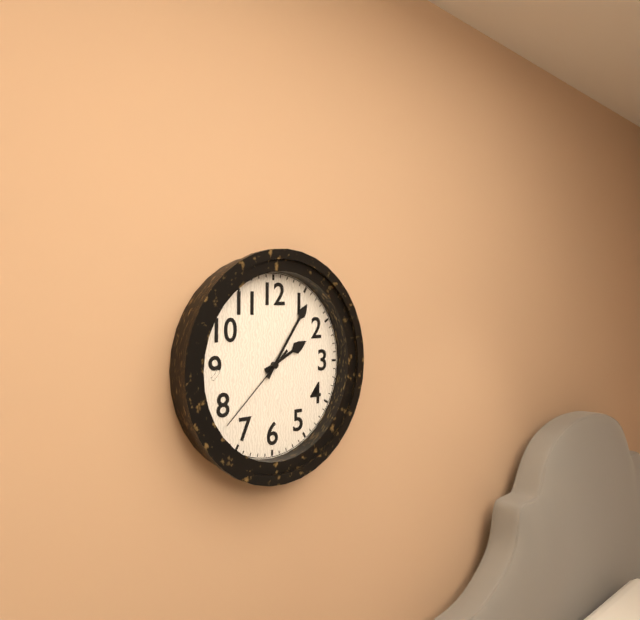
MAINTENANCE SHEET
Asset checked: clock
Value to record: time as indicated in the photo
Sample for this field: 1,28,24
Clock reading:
2,06,38
